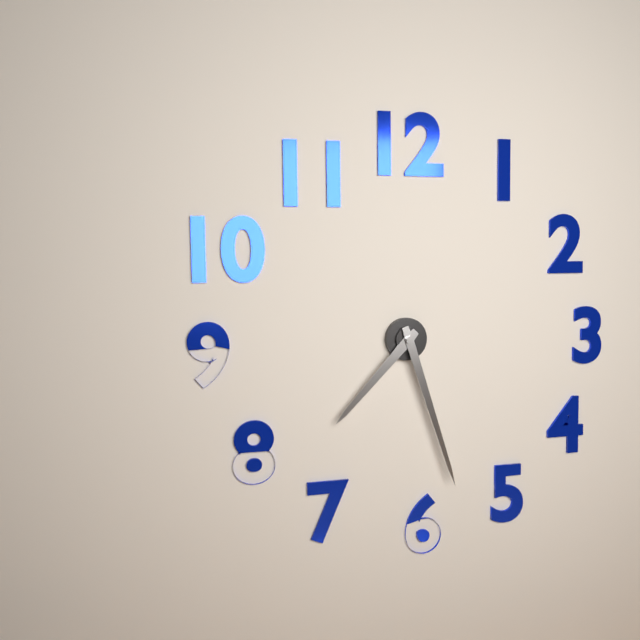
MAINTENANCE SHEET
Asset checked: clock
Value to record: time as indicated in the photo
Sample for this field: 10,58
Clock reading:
7,27
